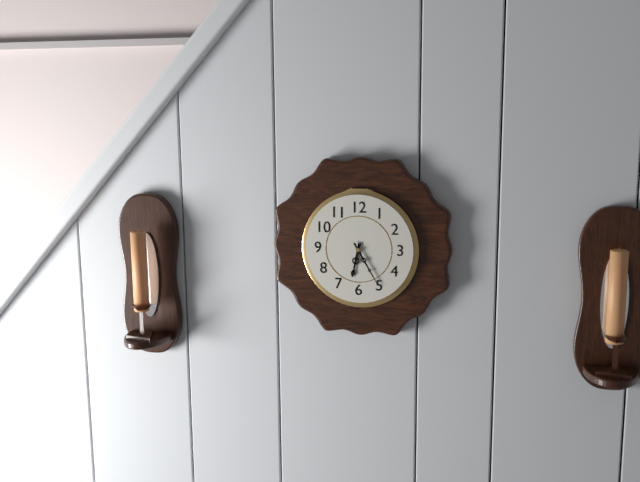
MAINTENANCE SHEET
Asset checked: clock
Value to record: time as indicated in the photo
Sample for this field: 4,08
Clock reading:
6,25
